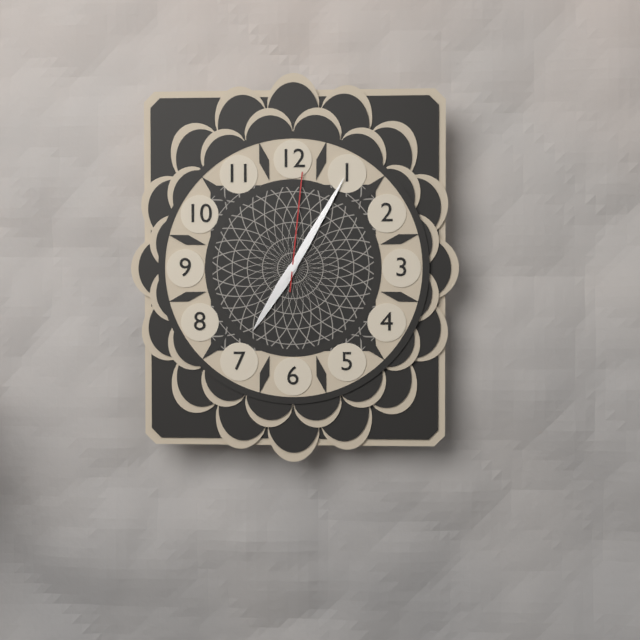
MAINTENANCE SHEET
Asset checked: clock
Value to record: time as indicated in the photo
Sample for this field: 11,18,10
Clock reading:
7,05,01
